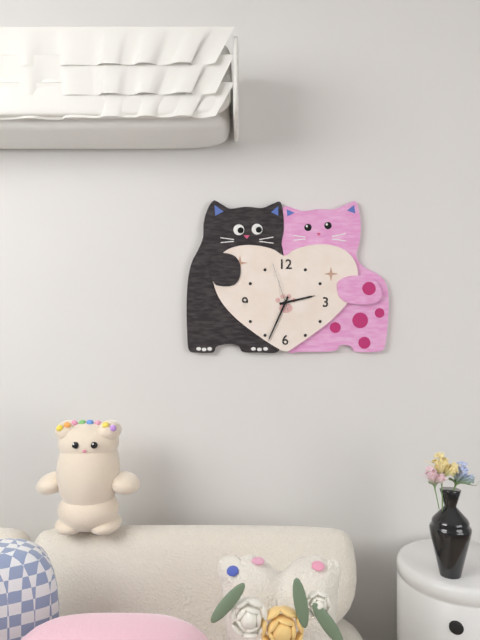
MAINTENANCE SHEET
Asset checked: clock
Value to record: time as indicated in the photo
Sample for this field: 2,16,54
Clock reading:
2,34,57
